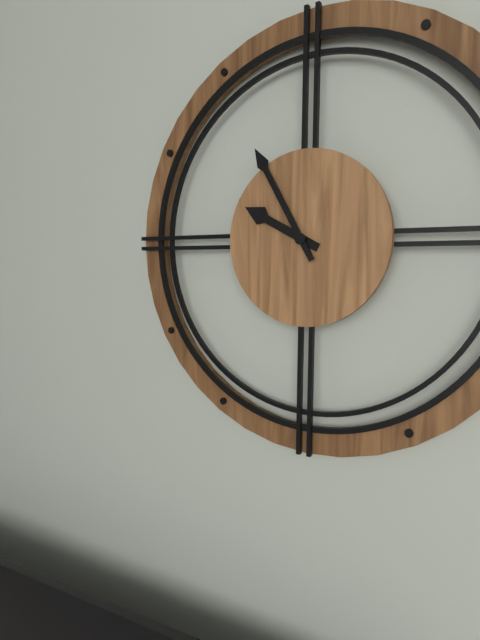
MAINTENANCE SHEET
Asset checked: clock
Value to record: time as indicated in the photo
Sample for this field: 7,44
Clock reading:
9,55
